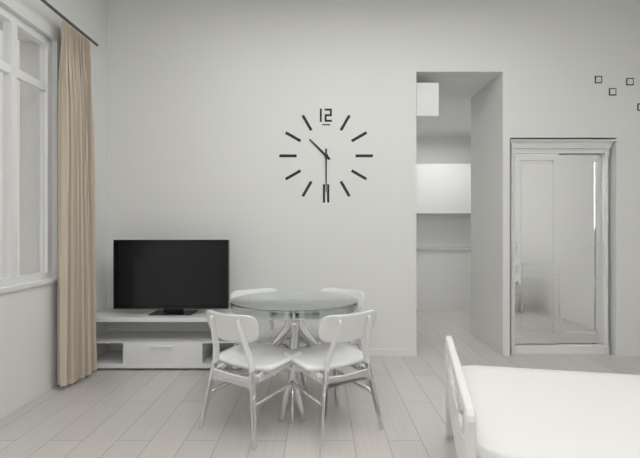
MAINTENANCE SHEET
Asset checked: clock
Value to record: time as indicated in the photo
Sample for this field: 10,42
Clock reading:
10,30
